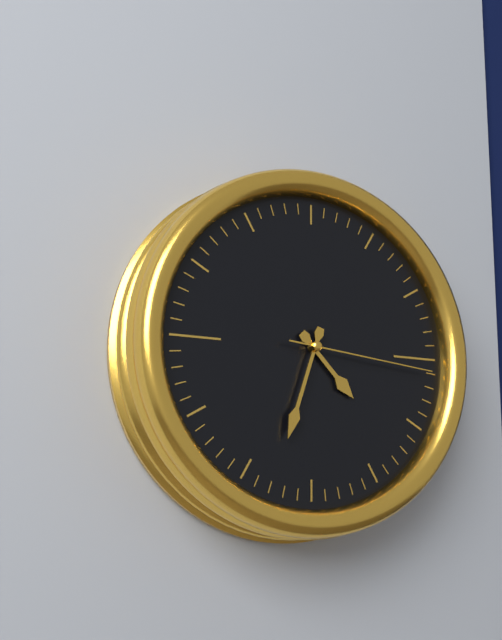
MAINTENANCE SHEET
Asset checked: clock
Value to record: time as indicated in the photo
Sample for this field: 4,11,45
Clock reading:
4,33,16
